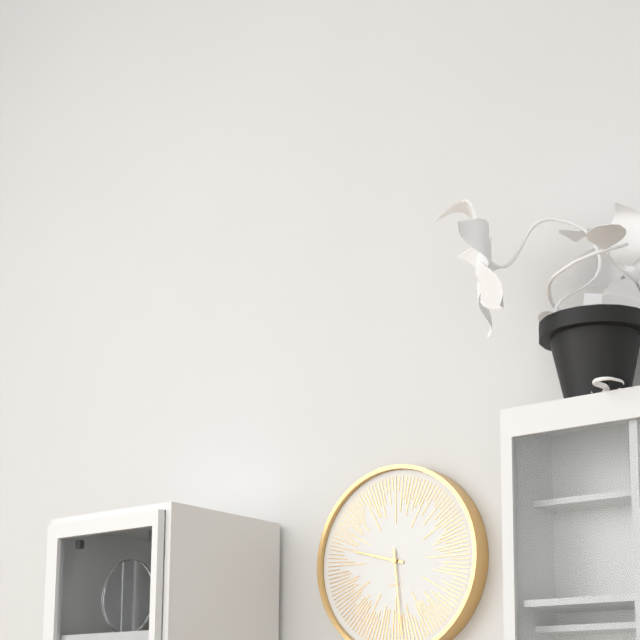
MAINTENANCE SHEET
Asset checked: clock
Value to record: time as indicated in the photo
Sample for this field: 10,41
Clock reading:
9,29
